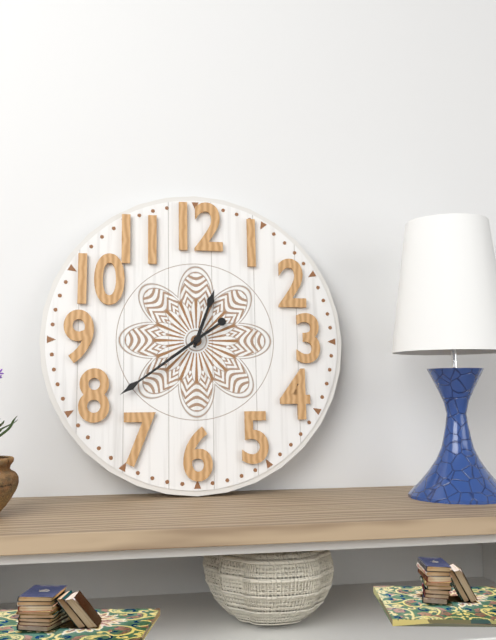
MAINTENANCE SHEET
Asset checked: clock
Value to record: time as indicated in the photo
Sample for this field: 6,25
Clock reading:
12,39
